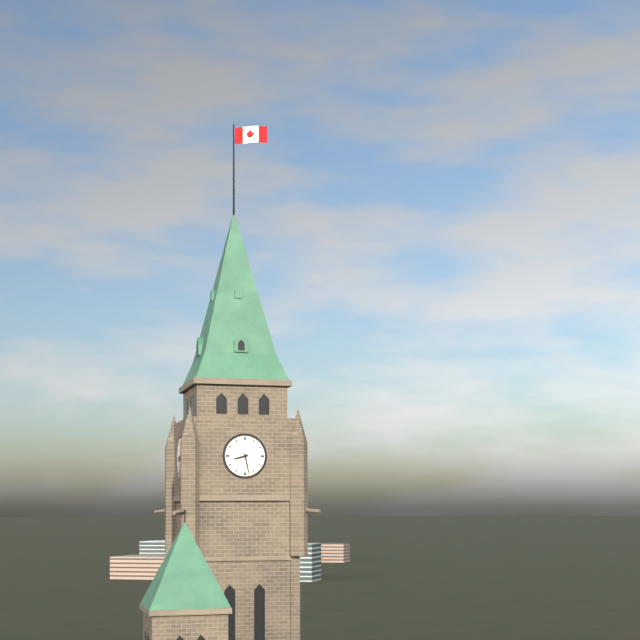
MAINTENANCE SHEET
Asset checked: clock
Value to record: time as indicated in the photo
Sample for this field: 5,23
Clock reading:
8,28
